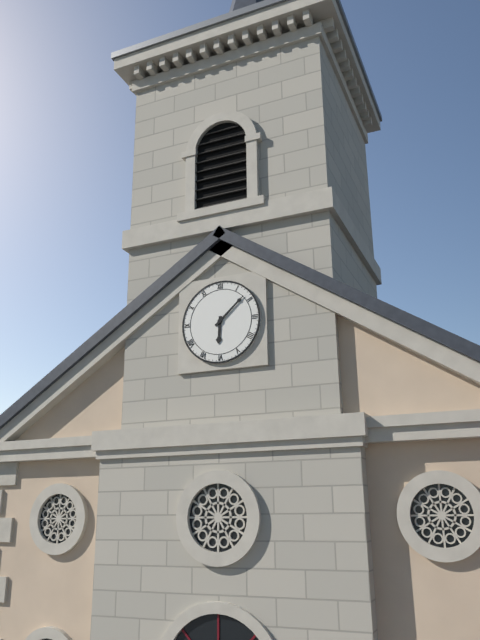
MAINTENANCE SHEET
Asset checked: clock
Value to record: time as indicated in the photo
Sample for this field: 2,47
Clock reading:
6,08
